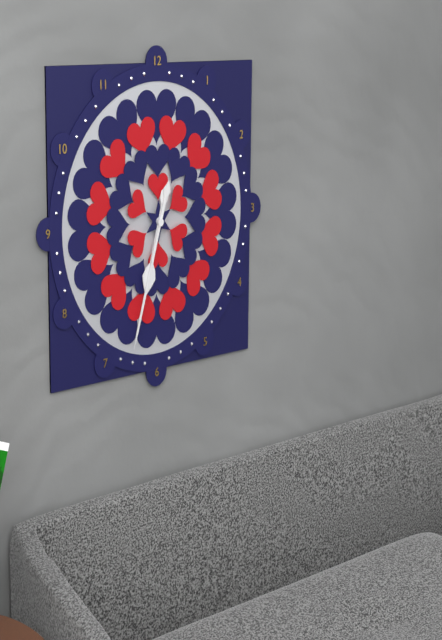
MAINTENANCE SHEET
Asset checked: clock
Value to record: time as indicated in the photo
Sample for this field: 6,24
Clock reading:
6,33
